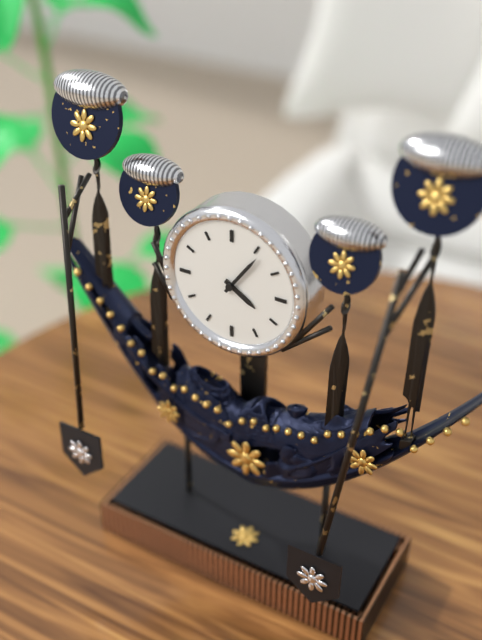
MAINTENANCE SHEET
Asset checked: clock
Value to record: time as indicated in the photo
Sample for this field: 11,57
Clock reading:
4,06
